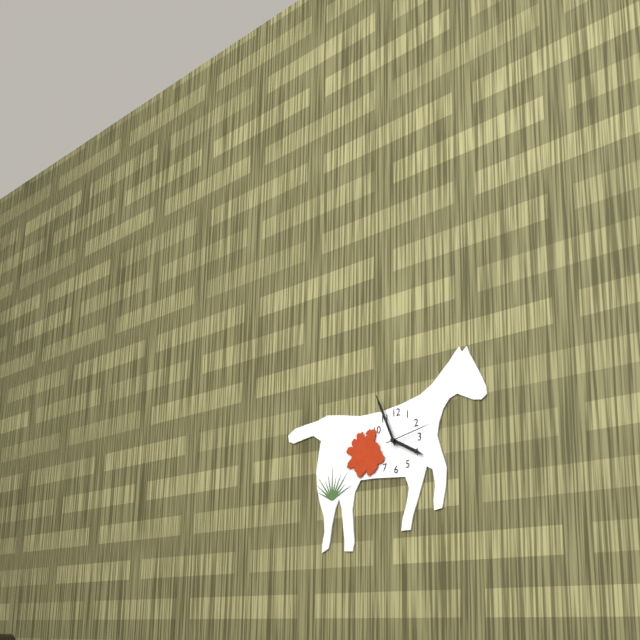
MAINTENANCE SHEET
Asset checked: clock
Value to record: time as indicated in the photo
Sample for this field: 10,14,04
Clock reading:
3,56,13
